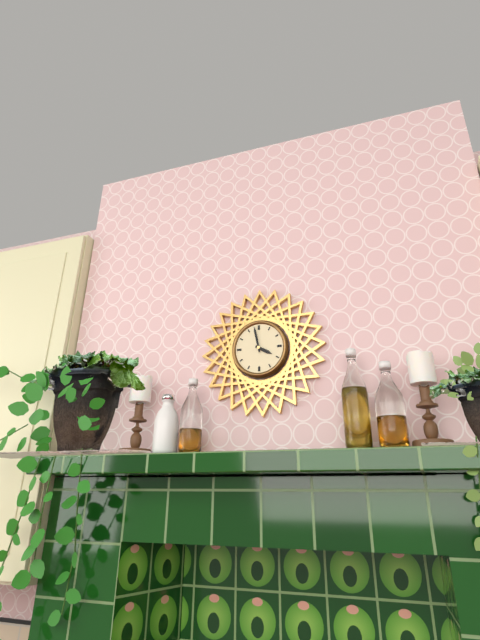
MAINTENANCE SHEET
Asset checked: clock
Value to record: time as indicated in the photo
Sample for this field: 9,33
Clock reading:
3,58
